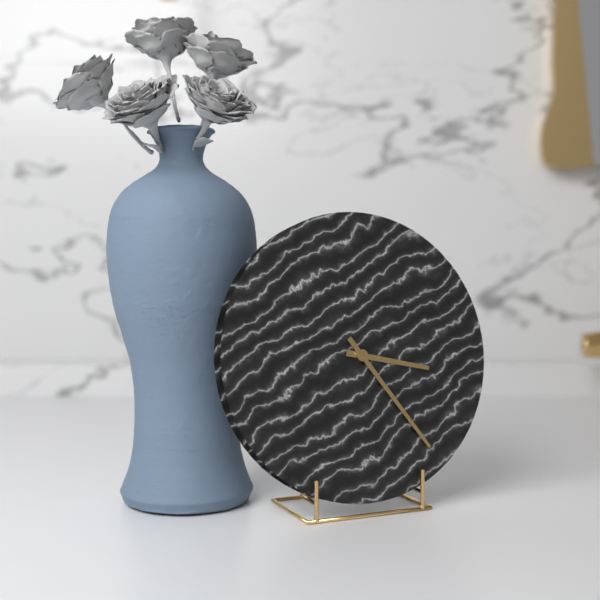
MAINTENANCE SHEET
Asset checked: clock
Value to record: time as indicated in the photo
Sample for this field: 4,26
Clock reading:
3,24
